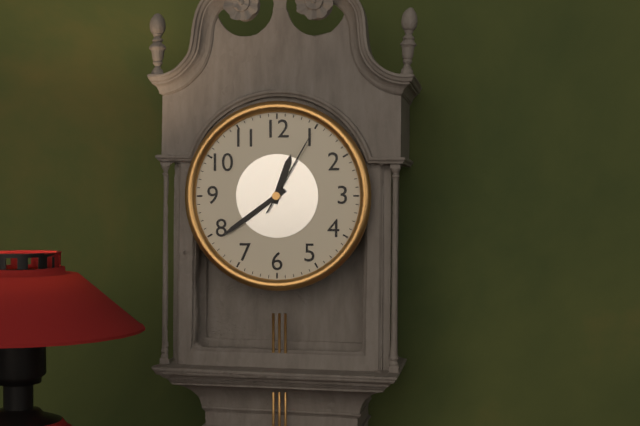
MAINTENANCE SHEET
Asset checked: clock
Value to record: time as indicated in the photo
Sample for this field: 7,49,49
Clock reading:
12,39,05
